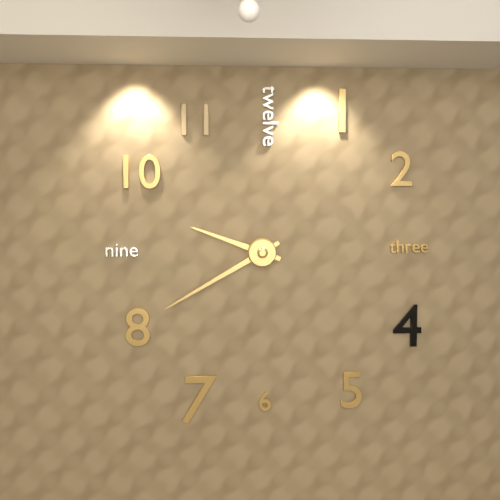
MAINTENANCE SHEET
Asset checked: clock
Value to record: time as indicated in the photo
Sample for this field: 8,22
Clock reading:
9,40
